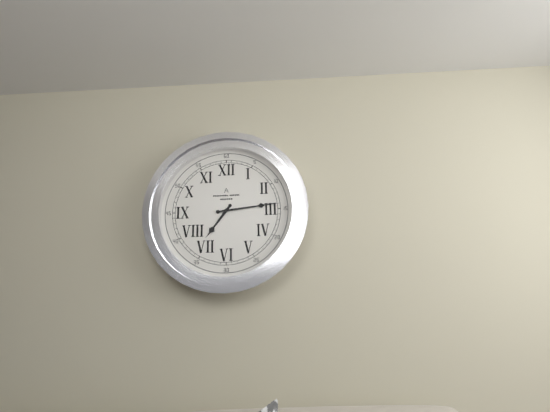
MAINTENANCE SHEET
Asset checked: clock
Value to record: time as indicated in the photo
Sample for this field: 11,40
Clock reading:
7,14
